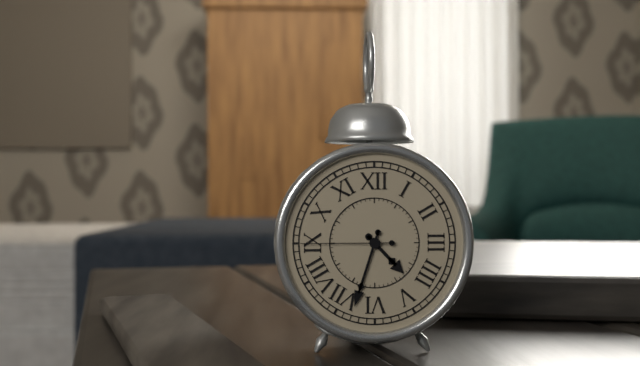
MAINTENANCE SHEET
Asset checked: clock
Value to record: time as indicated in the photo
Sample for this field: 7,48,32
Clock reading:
4,33,45
